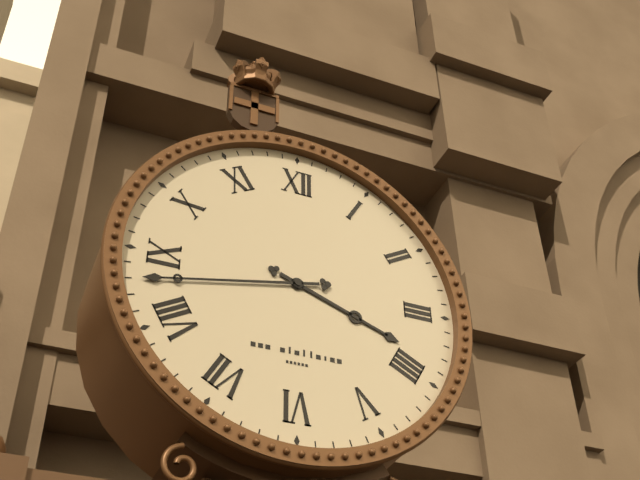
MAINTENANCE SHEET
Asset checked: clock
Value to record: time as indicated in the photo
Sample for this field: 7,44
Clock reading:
3,43
